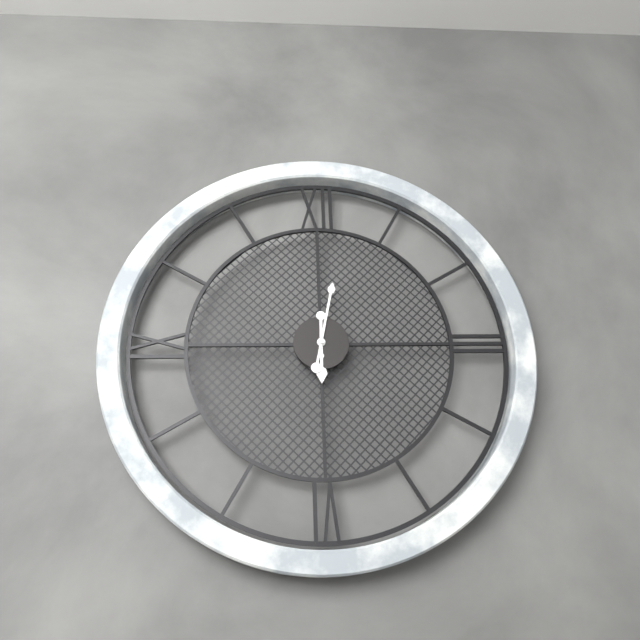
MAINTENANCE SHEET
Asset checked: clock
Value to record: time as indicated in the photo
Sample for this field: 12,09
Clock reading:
6,02
